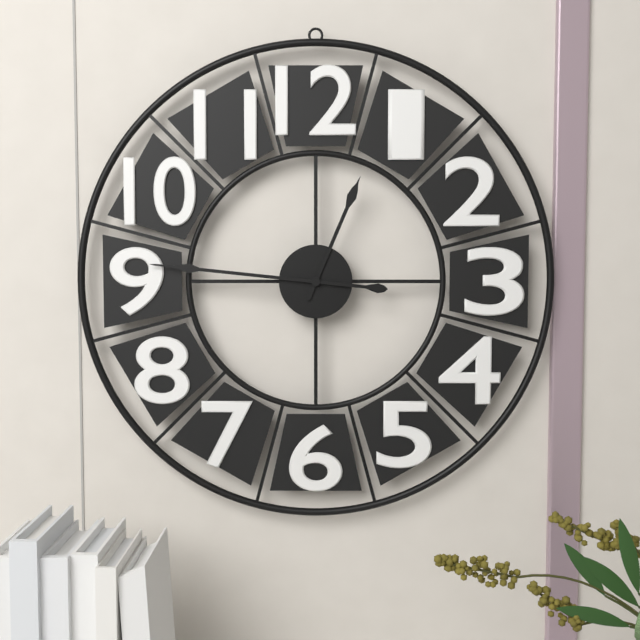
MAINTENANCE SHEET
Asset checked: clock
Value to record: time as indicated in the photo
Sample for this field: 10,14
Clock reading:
12,46
